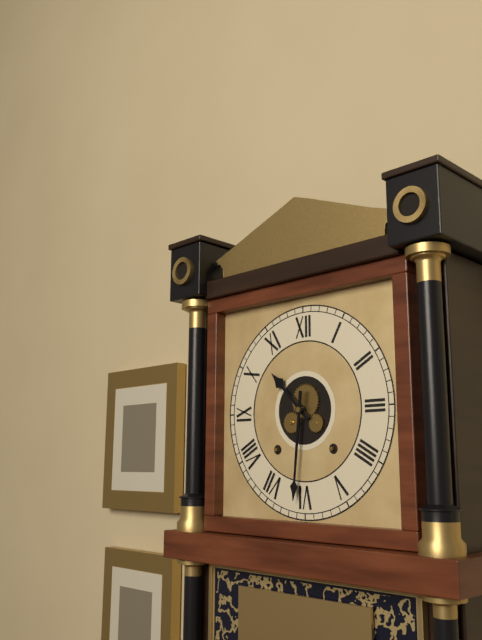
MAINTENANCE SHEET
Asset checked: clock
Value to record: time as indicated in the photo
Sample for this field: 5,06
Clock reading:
10,31
